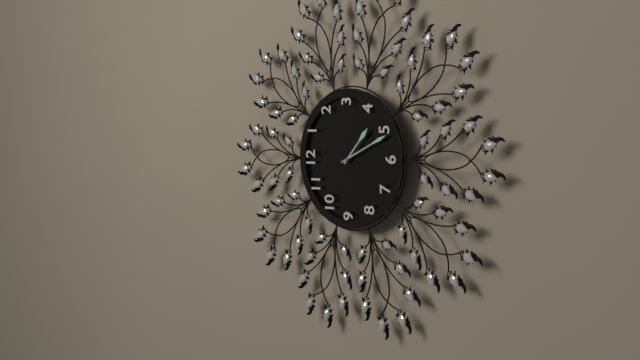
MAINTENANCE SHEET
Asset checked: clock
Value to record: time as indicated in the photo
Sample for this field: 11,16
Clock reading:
4,26
